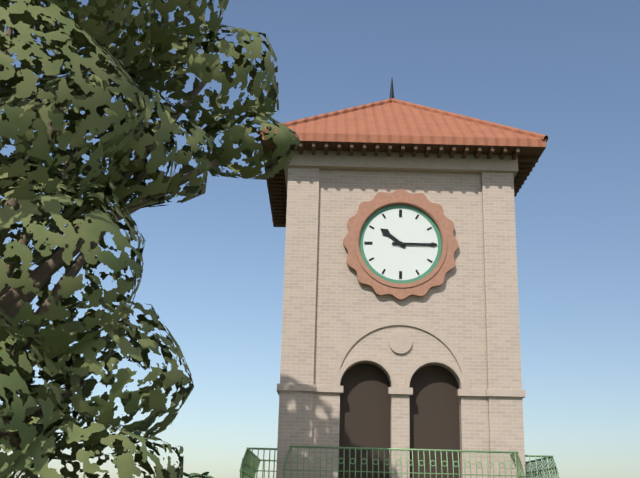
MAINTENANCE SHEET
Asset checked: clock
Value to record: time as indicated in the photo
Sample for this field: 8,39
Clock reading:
10,15
